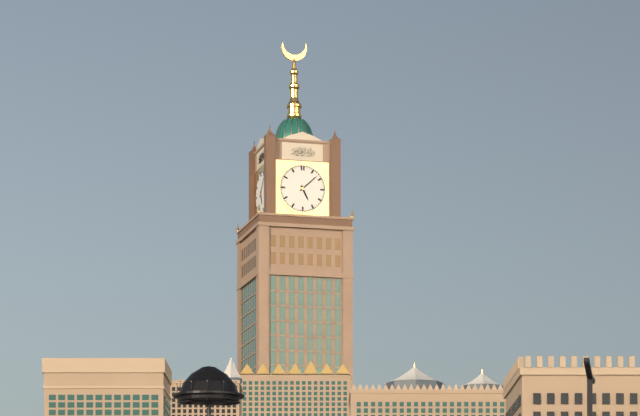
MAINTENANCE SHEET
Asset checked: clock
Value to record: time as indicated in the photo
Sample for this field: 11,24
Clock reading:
5,08
